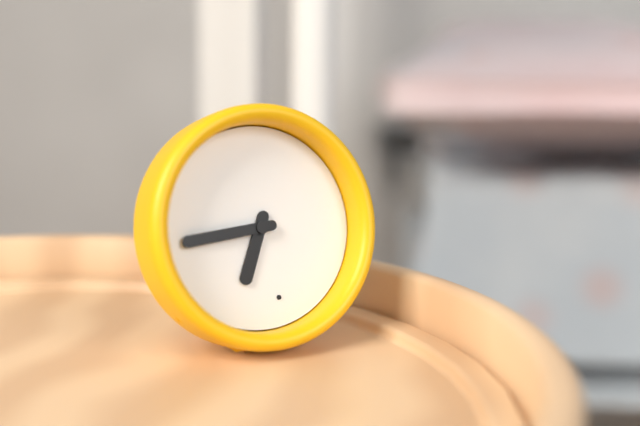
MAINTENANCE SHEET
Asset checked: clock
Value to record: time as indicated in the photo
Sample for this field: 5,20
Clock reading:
6,44
